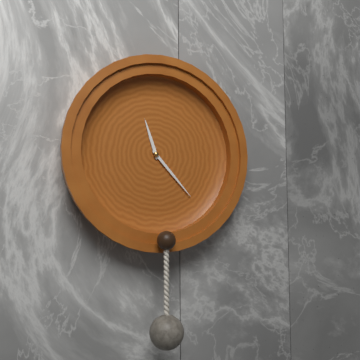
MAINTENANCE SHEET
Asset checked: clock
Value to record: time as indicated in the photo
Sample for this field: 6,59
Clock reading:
11,23
